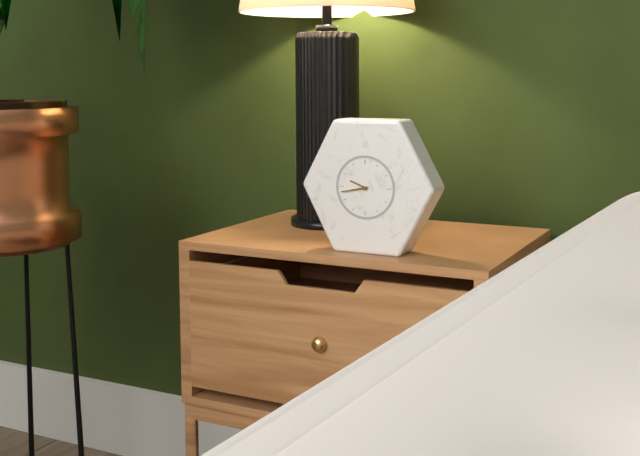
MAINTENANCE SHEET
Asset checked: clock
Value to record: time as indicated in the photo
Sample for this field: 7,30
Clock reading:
9,43
